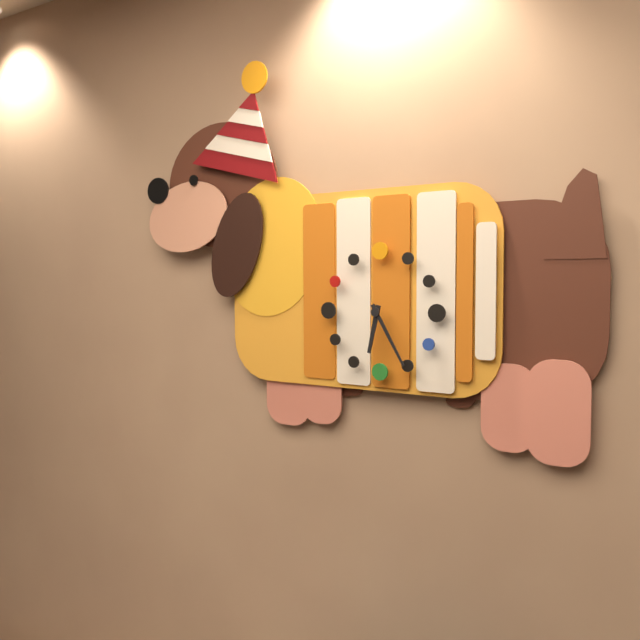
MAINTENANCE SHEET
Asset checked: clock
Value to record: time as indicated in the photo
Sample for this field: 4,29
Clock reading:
6,25
